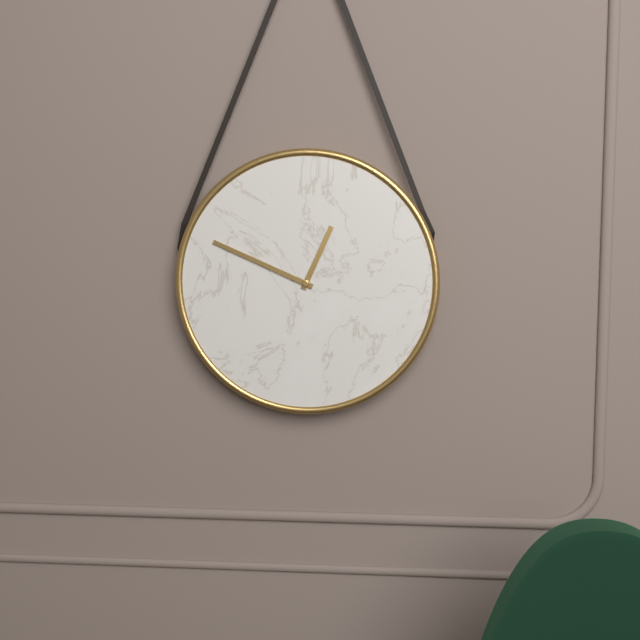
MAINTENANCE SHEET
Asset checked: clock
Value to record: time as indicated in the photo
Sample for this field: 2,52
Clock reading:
12,49
